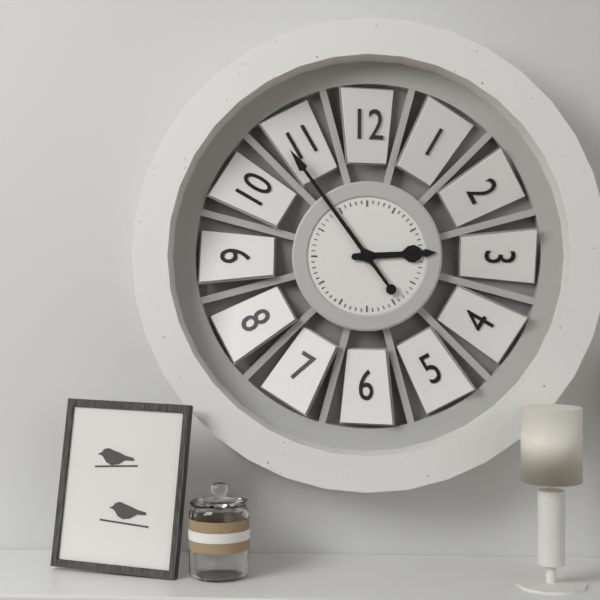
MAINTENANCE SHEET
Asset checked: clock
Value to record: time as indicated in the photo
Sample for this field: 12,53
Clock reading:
2,54
